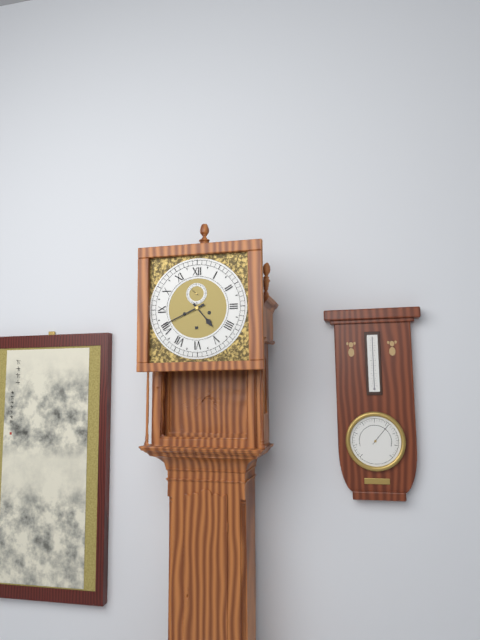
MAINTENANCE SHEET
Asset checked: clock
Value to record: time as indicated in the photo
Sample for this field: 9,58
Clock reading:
4,41
